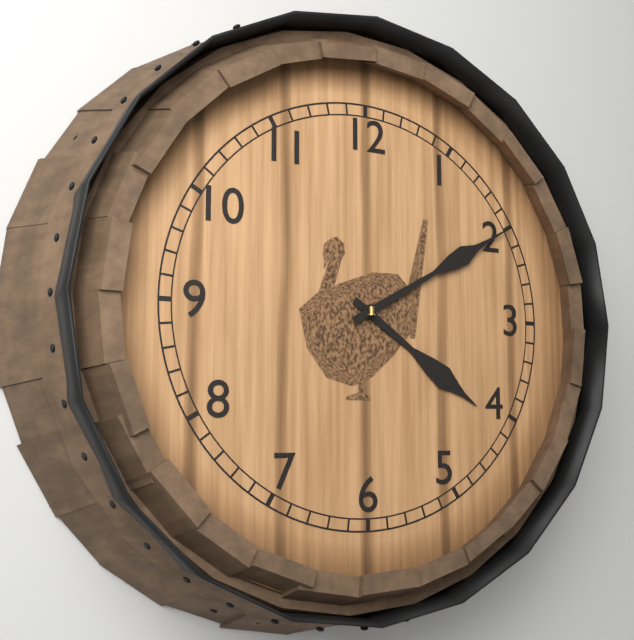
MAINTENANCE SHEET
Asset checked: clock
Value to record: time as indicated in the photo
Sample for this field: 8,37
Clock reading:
4,10
